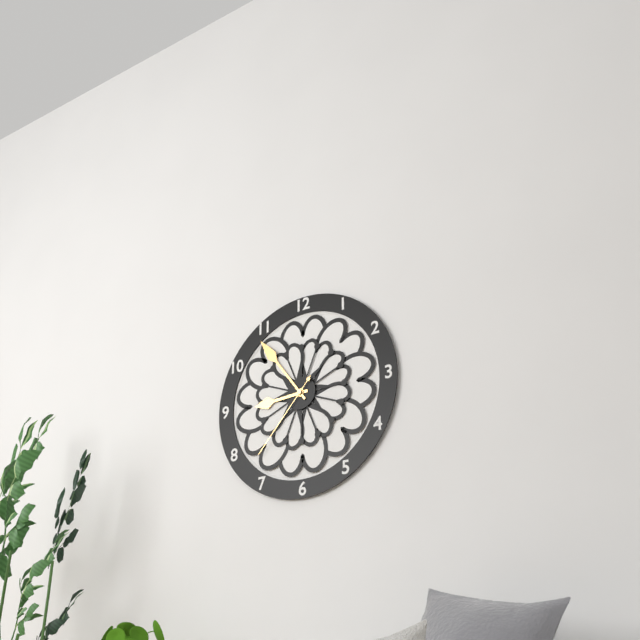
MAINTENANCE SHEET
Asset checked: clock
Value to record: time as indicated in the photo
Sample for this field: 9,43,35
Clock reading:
8,54,37
